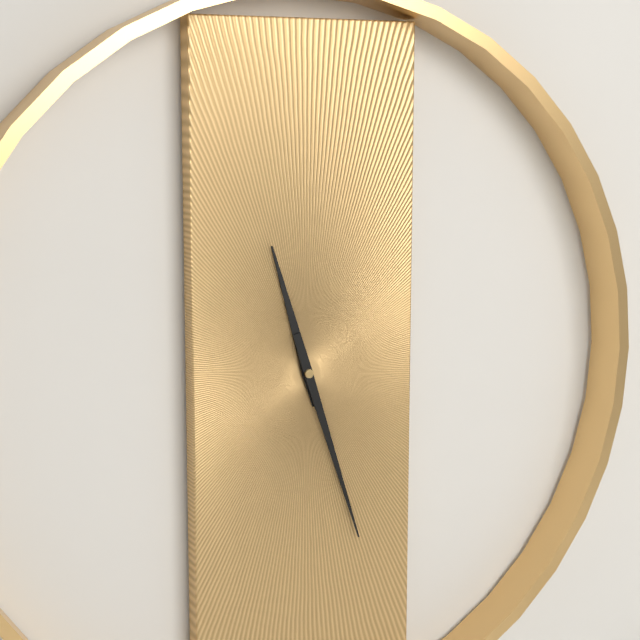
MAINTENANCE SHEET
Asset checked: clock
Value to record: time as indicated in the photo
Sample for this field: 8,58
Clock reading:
11,27
